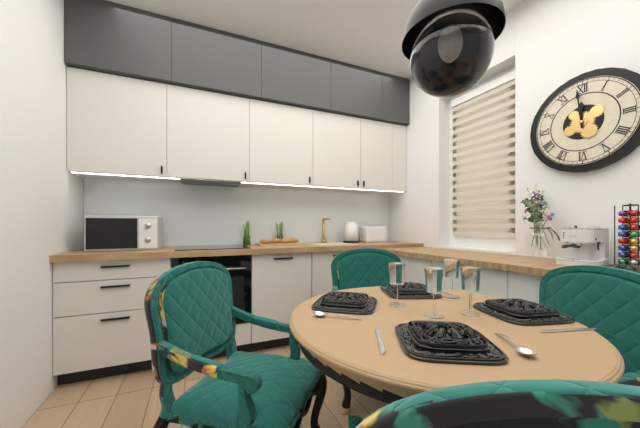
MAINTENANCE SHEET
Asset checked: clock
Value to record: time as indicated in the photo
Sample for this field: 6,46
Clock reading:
11,59
